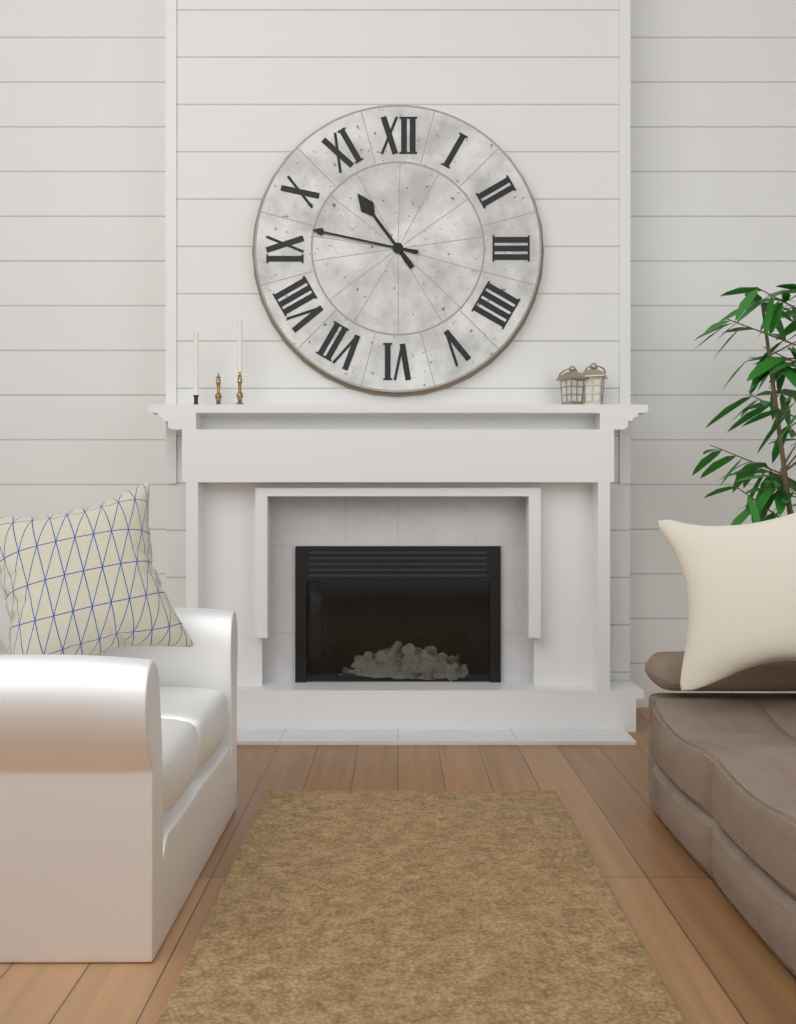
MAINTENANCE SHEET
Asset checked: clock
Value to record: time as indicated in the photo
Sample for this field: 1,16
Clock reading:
10,47
